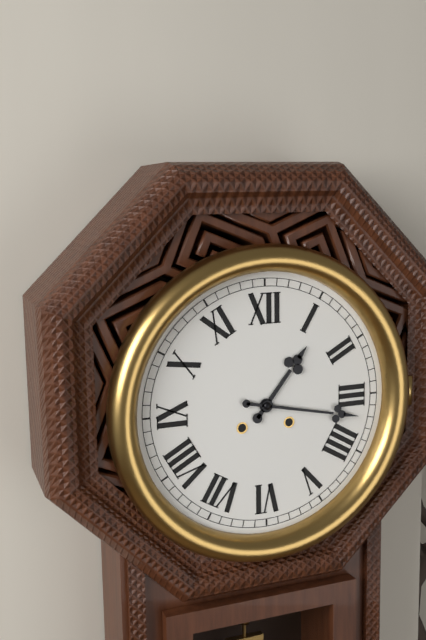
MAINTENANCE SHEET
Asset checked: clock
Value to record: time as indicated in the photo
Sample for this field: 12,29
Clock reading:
1,17
